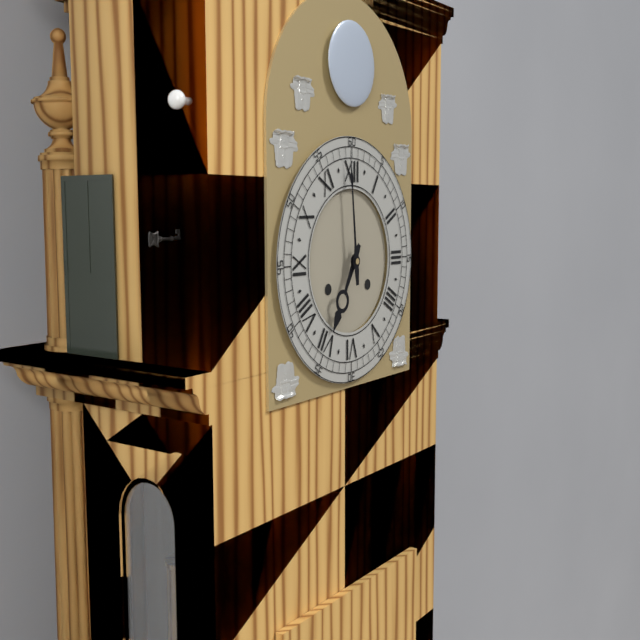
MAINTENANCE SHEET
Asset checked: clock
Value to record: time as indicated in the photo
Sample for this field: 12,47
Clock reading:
6,59
